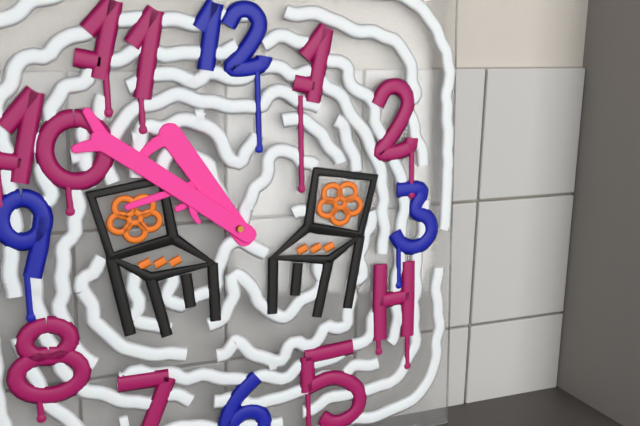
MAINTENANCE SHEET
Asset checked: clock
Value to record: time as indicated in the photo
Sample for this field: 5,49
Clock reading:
10,51
